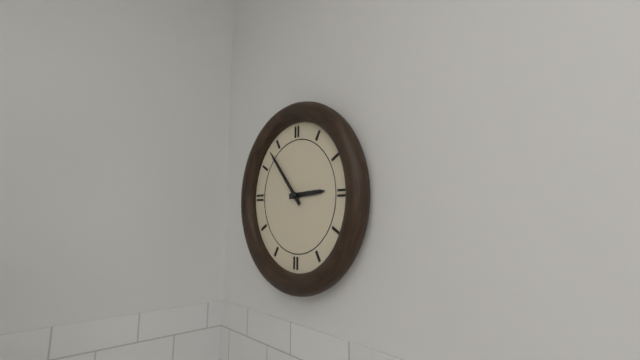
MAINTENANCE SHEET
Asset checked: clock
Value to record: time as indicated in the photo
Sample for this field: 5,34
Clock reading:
2,53
